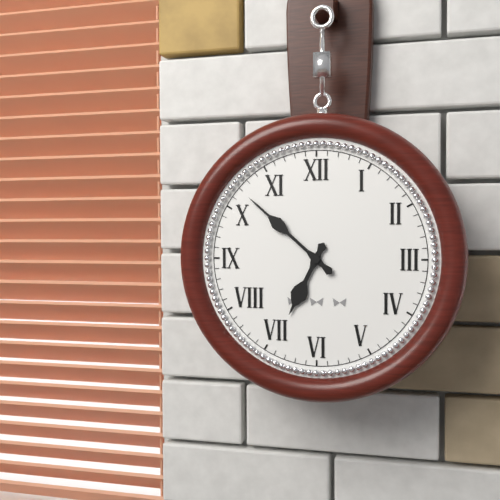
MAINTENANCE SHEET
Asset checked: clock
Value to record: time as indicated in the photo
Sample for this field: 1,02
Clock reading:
6,52
